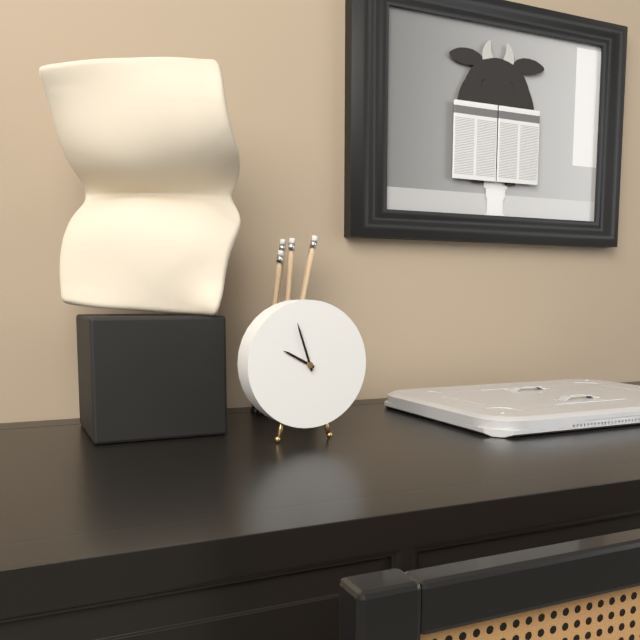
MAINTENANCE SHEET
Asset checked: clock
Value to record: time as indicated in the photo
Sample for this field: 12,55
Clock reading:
9,57
